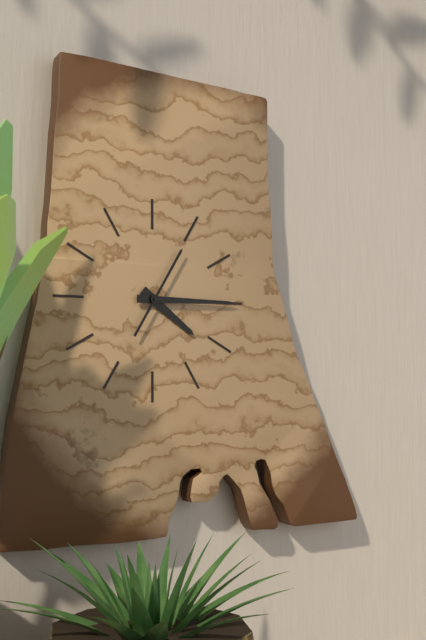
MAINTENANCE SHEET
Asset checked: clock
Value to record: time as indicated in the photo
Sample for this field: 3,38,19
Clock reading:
4,15,05
